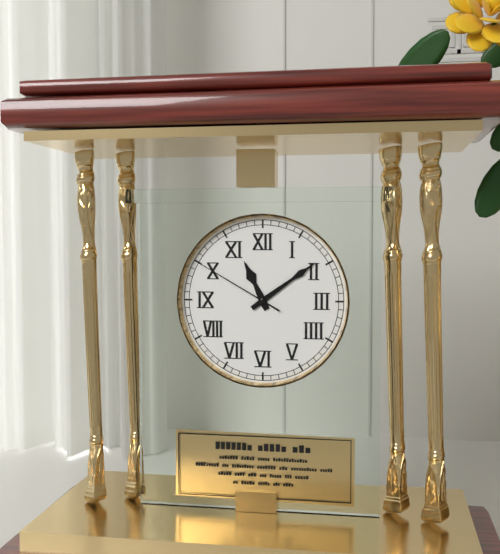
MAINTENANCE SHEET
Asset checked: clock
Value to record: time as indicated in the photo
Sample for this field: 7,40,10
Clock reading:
11,09,50
